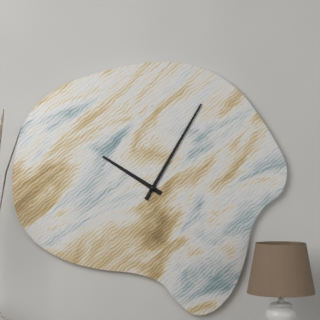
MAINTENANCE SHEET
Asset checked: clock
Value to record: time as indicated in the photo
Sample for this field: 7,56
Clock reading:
10,05
